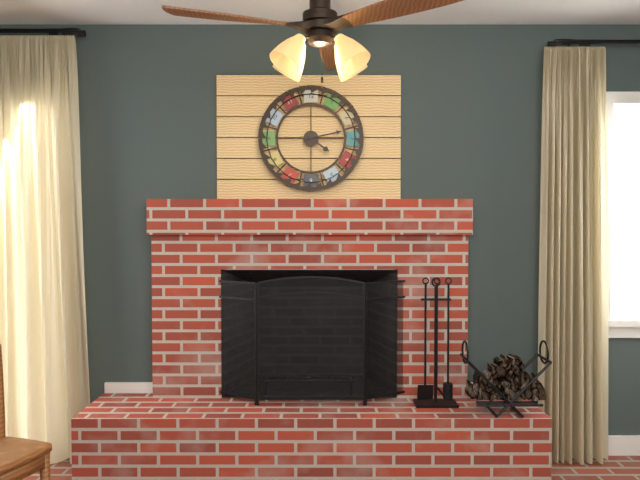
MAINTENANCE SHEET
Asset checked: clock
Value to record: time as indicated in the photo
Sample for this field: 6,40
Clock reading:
4,13
